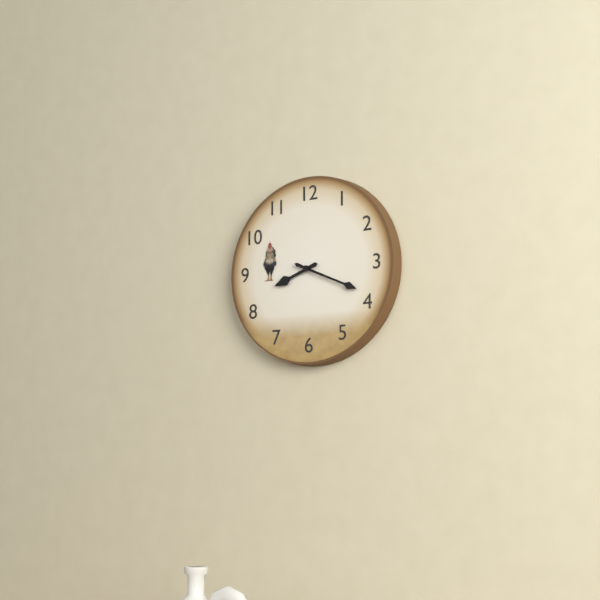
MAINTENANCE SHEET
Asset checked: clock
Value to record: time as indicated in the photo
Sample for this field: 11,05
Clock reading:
8,19
